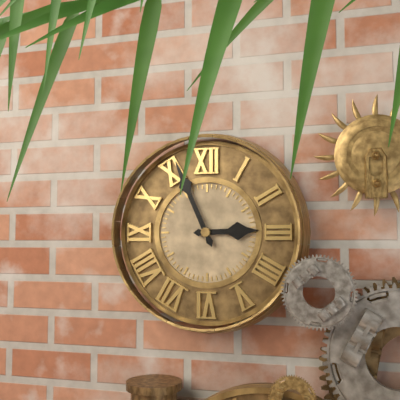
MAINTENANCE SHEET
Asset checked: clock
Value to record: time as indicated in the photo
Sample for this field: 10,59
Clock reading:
2,56
